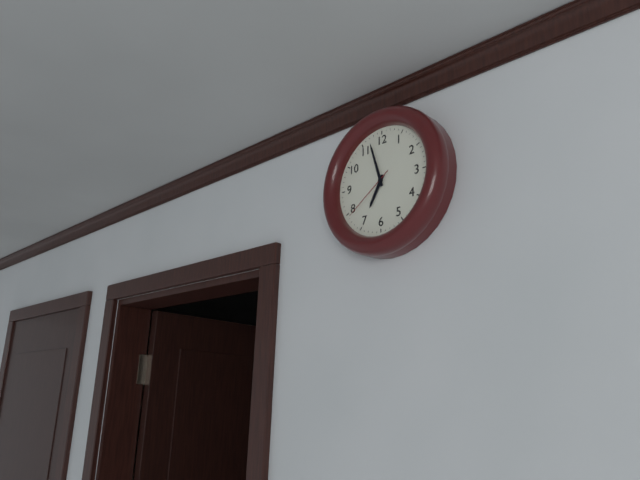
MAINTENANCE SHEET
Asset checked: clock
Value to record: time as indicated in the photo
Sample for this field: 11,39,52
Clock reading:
6,57,39
